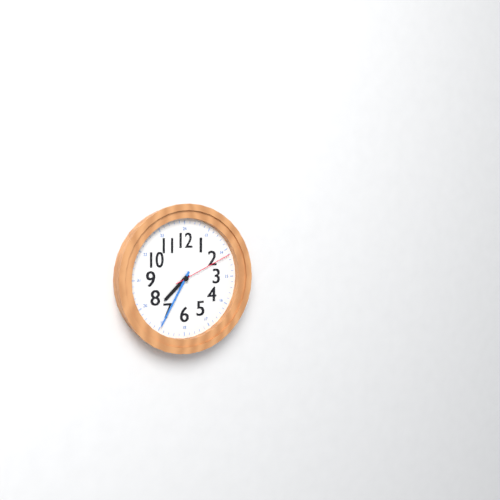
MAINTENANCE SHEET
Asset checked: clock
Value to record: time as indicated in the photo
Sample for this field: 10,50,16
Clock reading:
7,35,11
